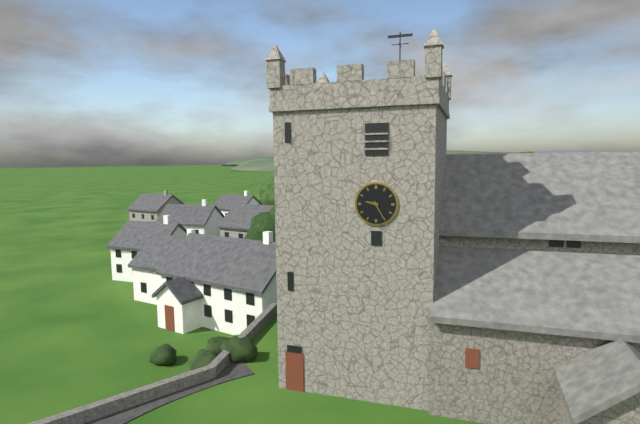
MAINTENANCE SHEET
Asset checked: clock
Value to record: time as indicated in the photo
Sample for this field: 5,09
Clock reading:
9,25
